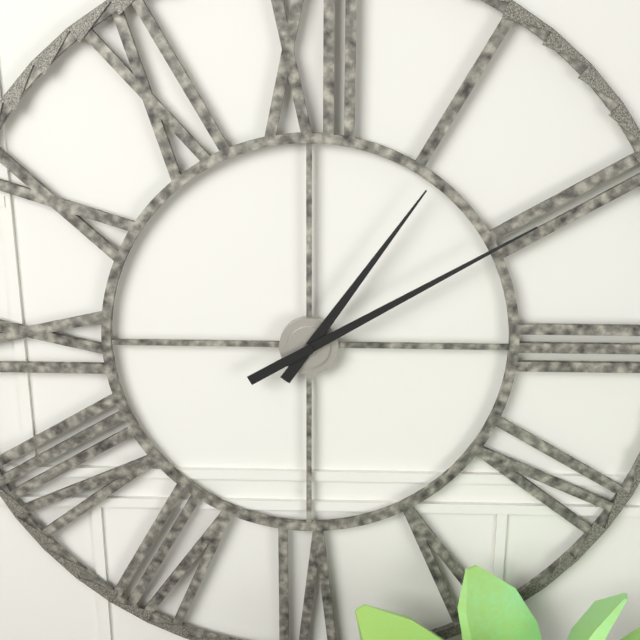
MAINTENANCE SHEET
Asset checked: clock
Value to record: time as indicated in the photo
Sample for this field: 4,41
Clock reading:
1,10
